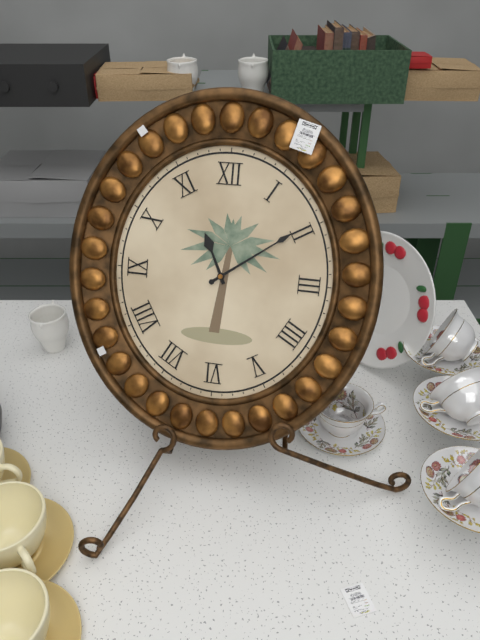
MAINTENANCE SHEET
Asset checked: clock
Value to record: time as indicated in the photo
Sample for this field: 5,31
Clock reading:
11,09
